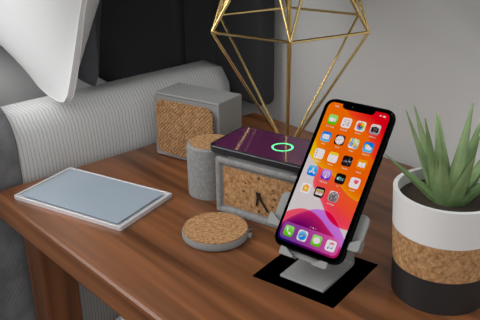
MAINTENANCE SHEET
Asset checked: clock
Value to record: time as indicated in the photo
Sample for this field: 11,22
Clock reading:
6,24
